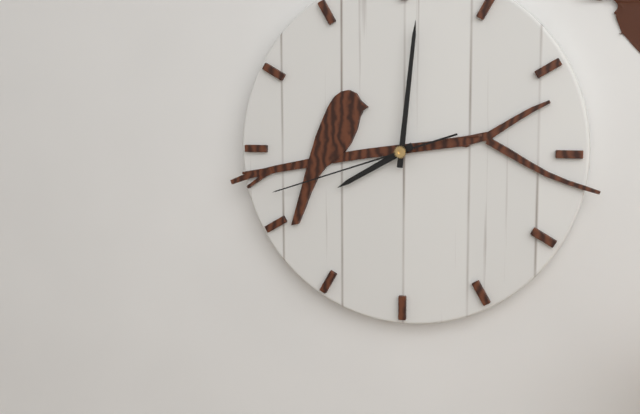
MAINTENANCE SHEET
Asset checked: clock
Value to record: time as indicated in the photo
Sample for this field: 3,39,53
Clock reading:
8,01,42
